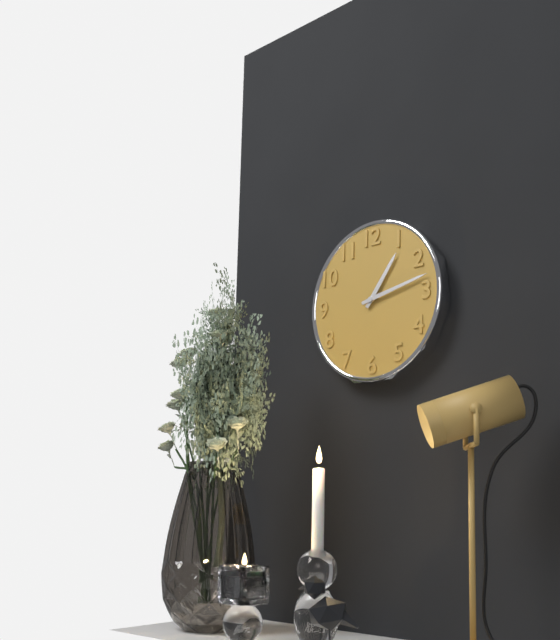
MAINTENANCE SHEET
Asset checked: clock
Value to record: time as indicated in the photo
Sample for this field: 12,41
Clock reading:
1,13
